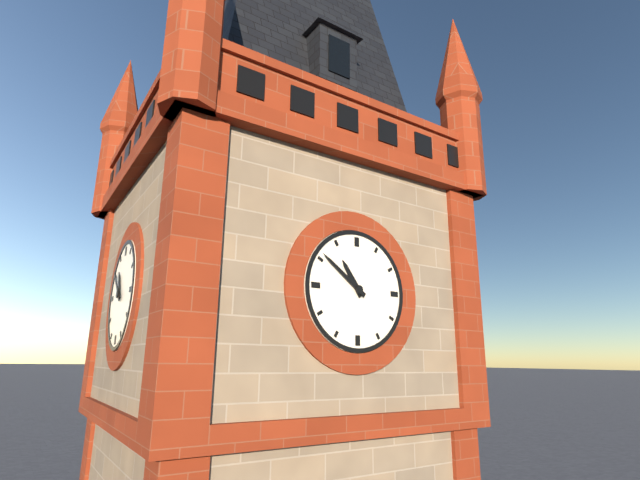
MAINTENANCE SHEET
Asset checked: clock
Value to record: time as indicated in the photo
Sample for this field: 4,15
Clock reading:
10,51
